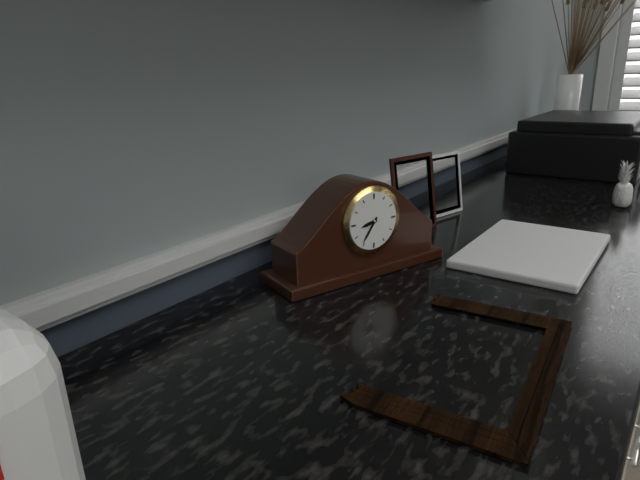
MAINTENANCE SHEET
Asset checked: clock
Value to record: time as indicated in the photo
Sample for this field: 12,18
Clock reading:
8,36
